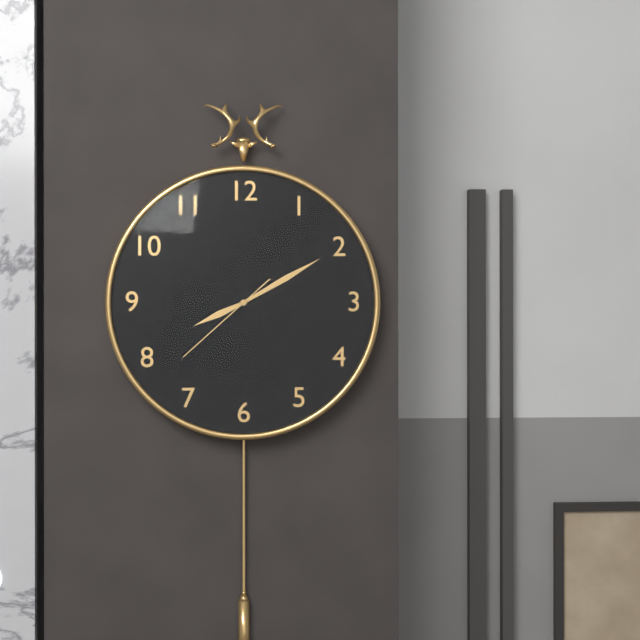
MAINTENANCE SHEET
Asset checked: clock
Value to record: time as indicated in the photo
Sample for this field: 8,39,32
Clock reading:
8,10,38
